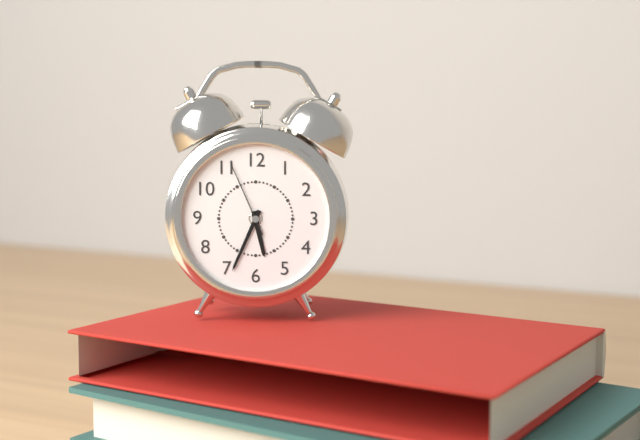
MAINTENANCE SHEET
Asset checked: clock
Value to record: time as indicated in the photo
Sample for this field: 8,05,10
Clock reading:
5,34,56
